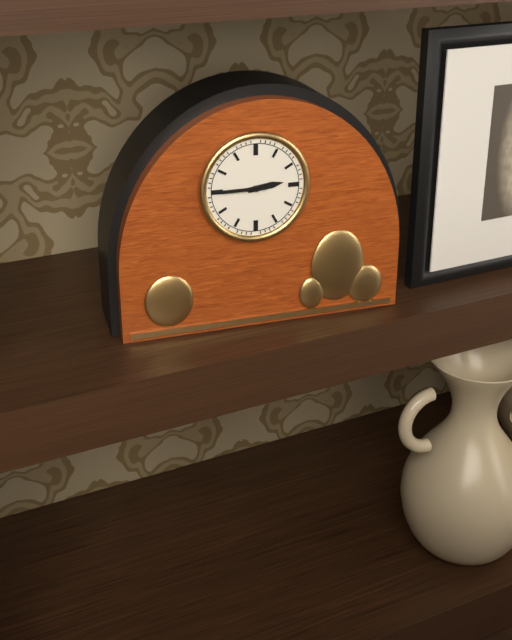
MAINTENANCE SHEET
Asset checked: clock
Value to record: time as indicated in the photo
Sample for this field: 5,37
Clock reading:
2,45
